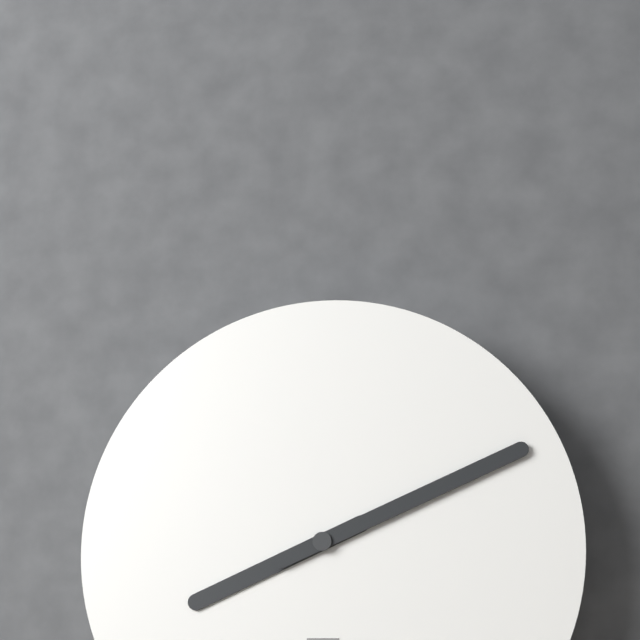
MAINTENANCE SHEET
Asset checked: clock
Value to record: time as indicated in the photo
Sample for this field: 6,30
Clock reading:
8,11
